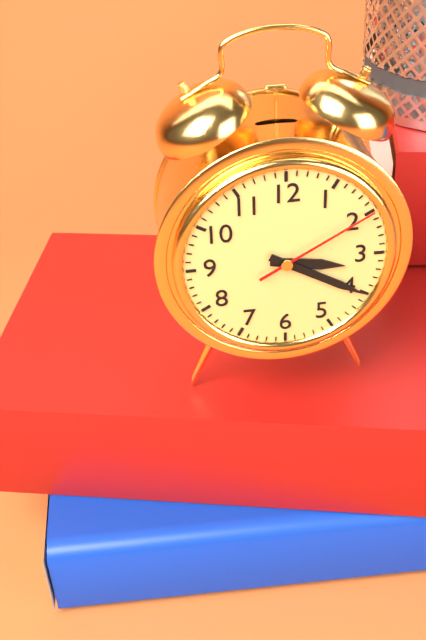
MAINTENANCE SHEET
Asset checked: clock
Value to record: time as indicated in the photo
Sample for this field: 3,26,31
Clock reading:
3,20,10
